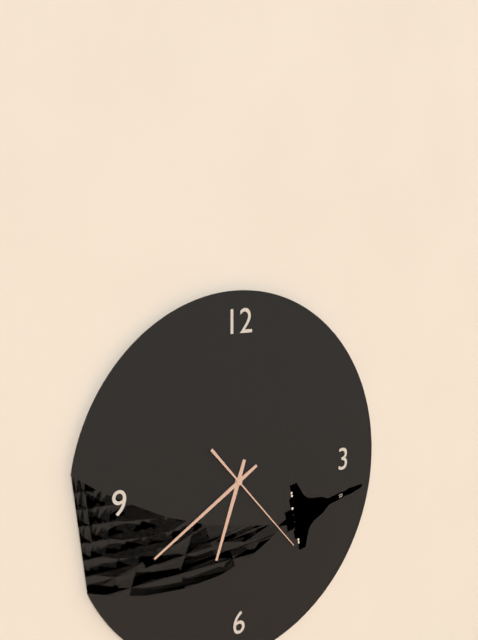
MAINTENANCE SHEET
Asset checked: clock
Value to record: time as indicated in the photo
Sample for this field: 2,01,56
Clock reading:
6,40,23
